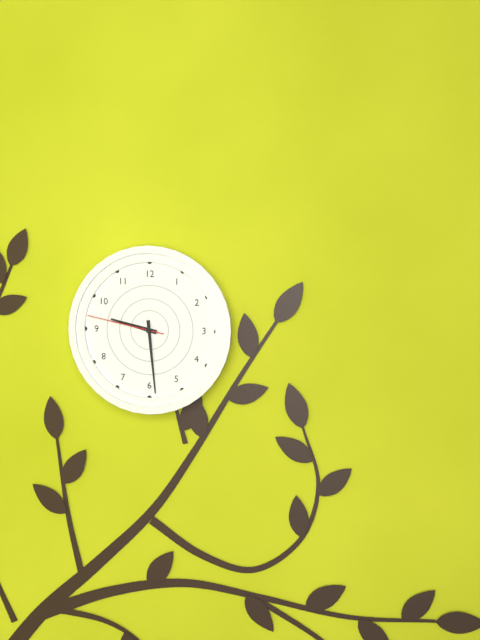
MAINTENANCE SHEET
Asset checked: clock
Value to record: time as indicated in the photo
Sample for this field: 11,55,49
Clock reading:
9,29,47
